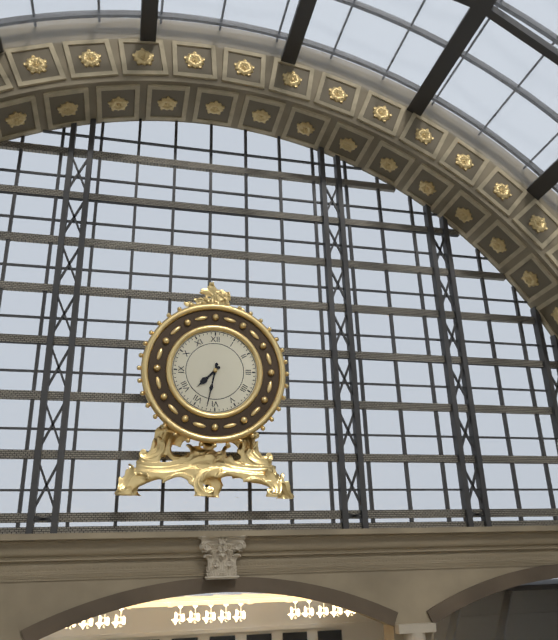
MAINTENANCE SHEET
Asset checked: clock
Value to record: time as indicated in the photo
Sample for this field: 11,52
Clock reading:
7,32
